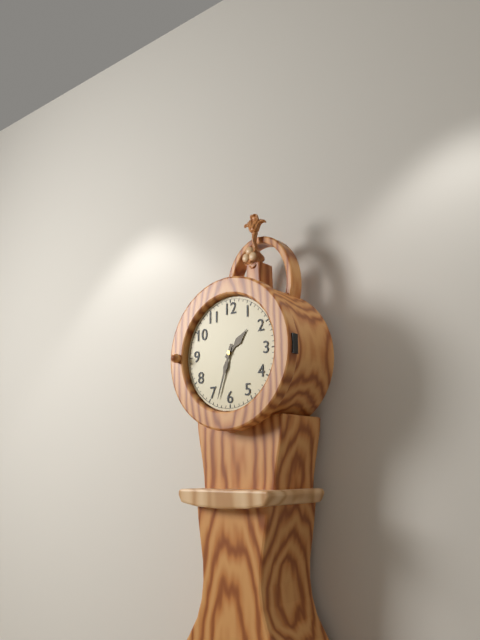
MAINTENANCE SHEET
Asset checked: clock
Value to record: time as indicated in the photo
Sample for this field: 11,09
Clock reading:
1,33
